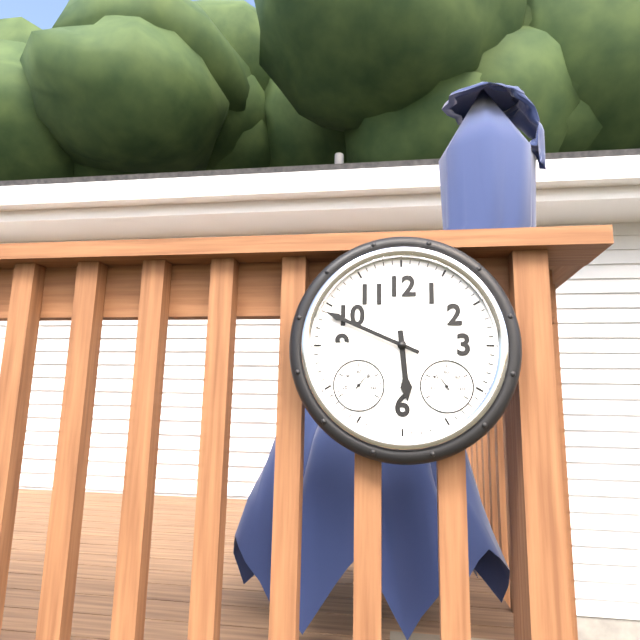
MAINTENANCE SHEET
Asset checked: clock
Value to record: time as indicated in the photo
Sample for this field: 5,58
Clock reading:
5,49
